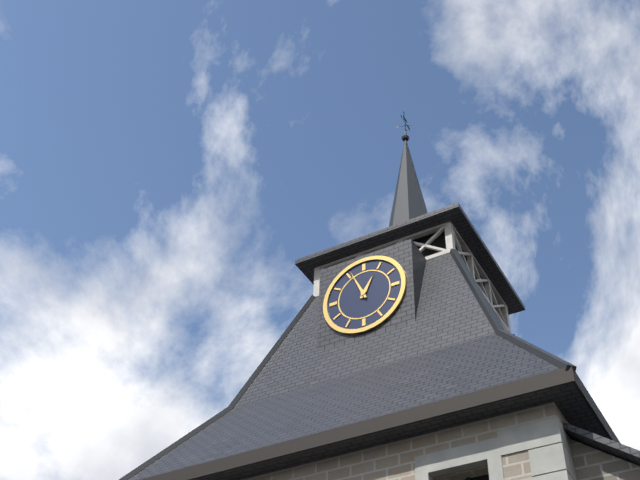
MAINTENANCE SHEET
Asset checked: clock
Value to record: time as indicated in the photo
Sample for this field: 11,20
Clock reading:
12,56
